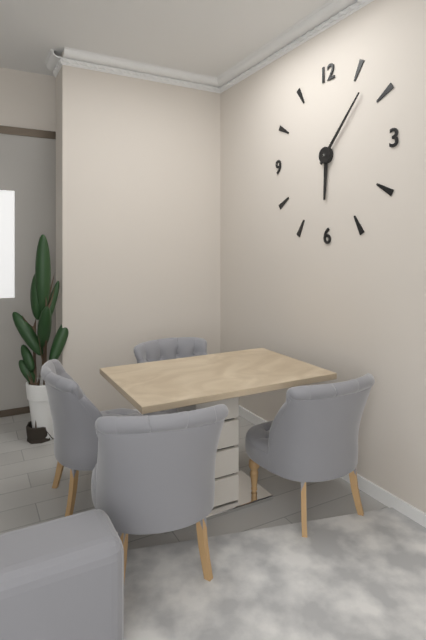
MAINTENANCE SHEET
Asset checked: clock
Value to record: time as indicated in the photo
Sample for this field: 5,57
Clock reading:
6,07
